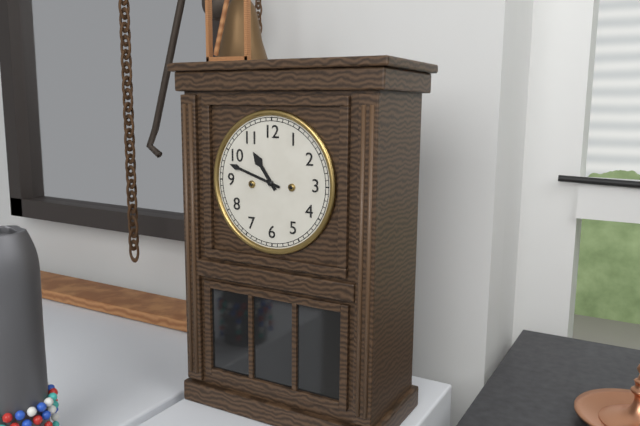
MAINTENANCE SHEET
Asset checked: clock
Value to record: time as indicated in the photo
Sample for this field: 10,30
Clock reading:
10,48
